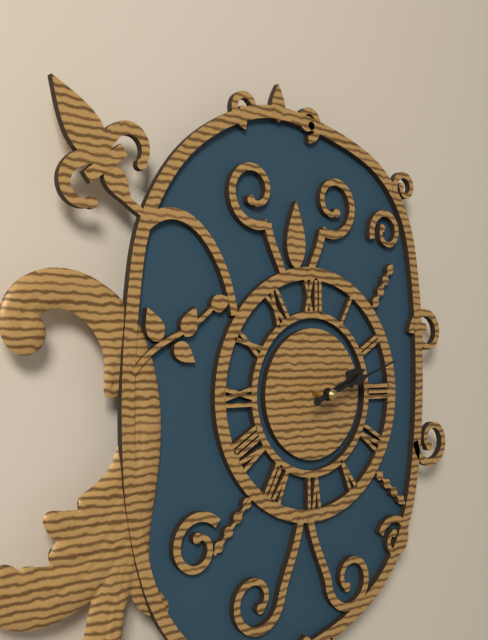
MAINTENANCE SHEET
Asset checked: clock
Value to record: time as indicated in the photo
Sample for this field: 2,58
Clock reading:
2,12
